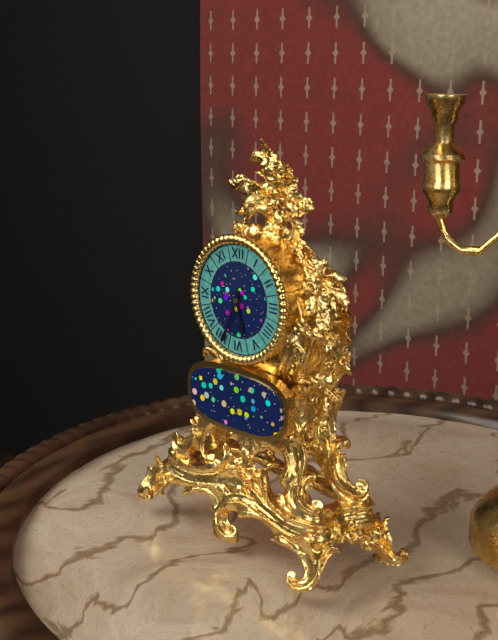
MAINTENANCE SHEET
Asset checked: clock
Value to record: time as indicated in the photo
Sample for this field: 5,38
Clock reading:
5,34
